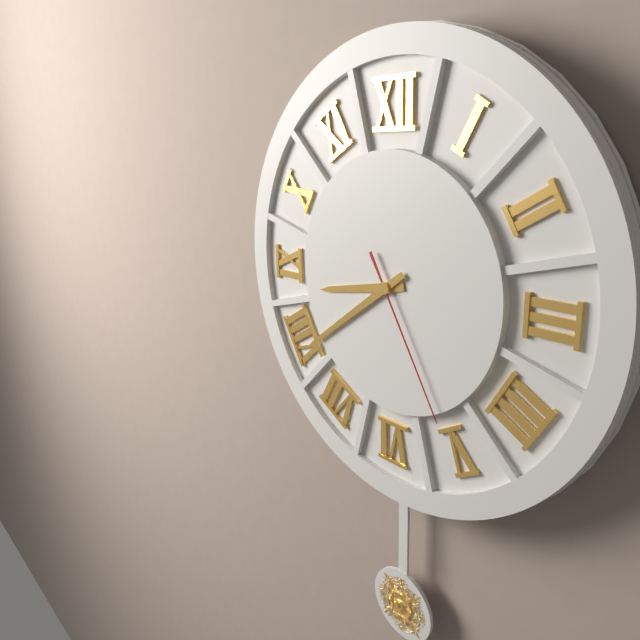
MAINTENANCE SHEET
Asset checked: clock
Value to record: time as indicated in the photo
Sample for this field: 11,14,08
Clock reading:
8,39,25
